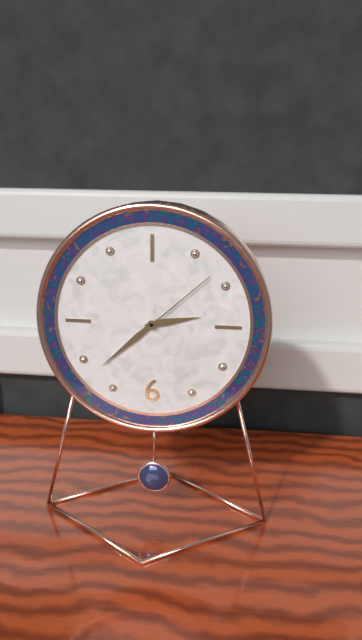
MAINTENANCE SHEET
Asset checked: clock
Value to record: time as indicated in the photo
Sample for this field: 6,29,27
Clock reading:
2,38,08
